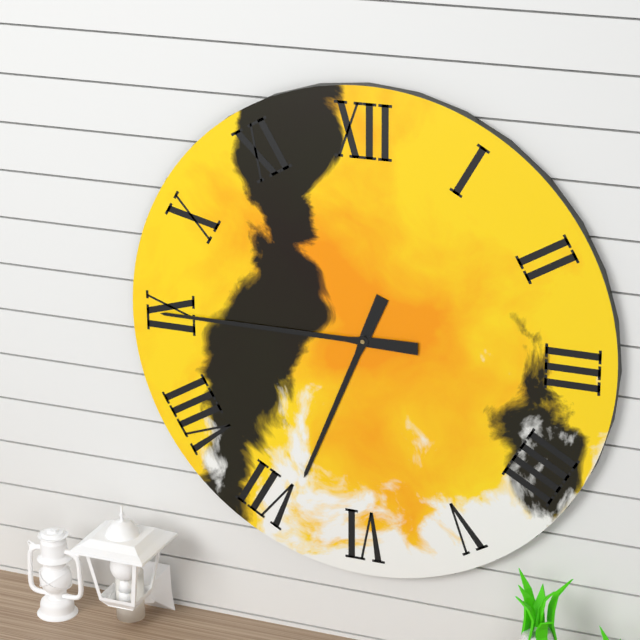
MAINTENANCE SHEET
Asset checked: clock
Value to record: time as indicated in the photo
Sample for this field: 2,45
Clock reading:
6,45
